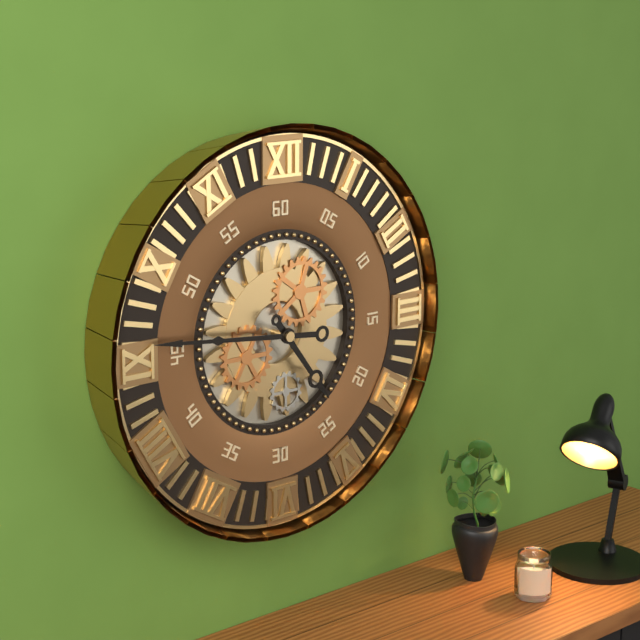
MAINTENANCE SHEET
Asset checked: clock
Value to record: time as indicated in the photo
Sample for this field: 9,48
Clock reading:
4,46
